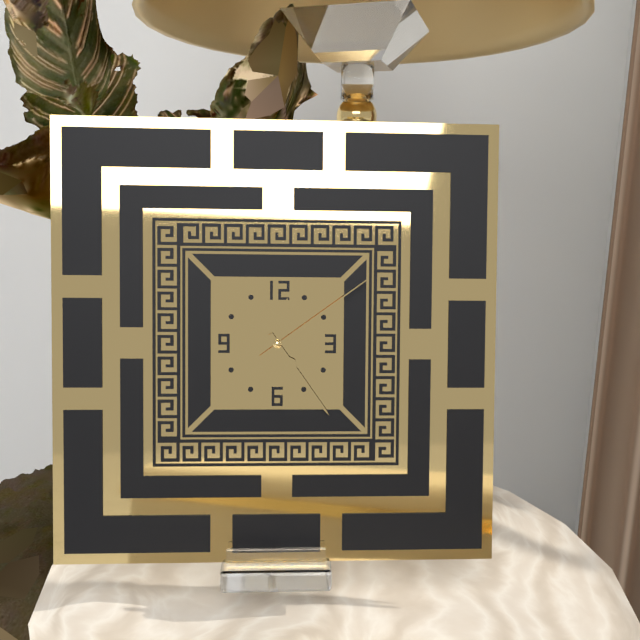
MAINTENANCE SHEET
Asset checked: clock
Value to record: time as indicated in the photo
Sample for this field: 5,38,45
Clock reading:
12,24,09
